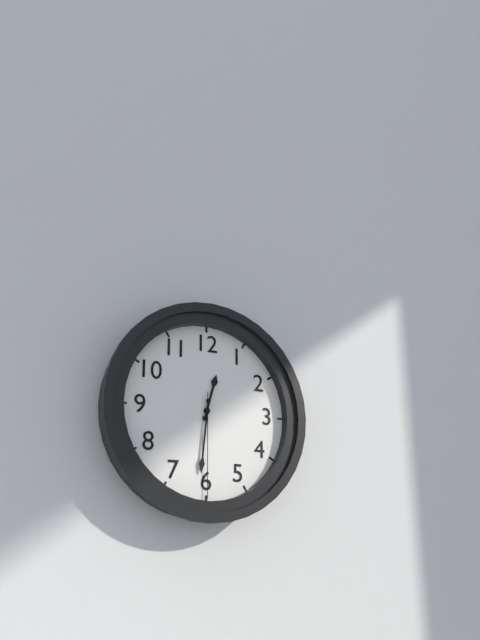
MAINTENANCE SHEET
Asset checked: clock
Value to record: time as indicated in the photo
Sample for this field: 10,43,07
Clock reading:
12,31,30
